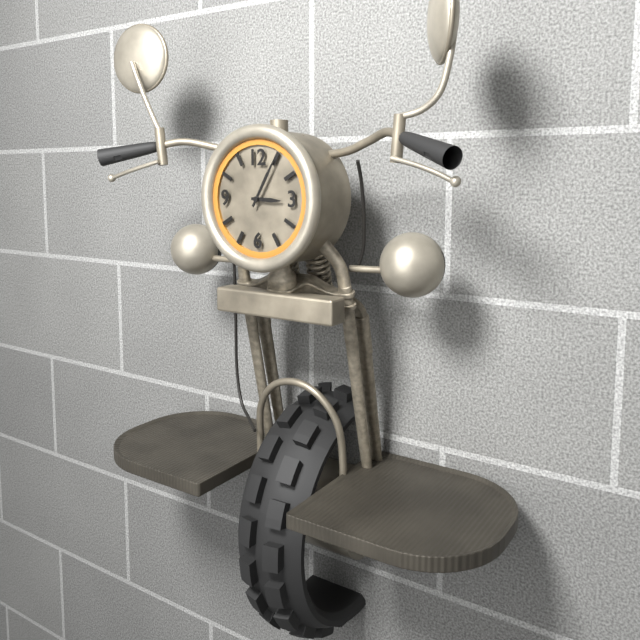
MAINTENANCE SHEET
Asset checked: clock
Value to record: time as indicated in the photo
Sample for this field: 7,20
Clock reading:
3,05
